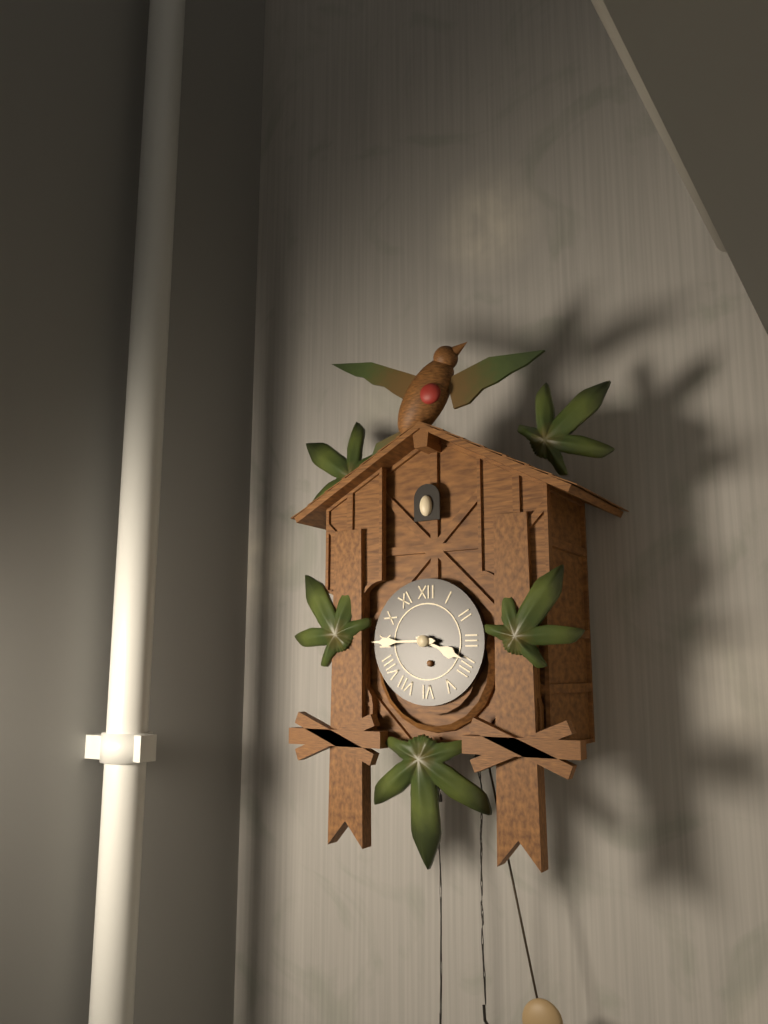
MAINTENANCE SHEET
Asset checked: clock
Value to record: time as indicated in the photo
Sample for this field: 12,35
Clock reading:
3,45
